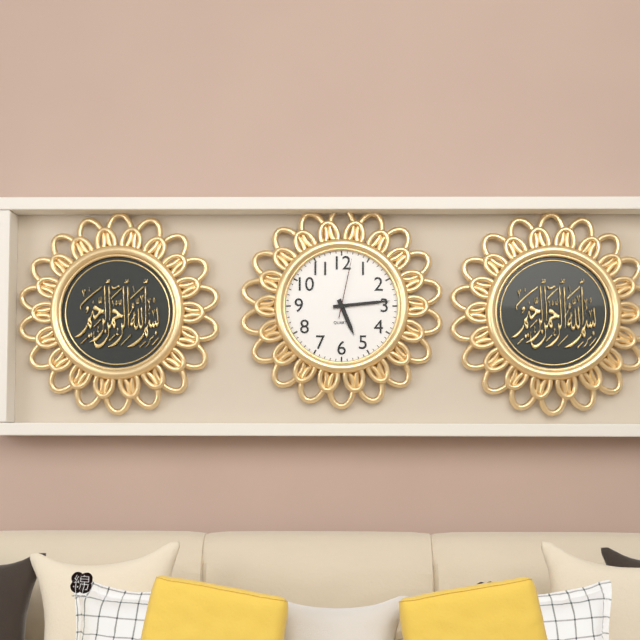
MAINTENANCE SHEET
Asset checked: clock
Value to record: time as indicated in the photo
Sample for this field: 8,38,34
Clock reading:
5,14,02
